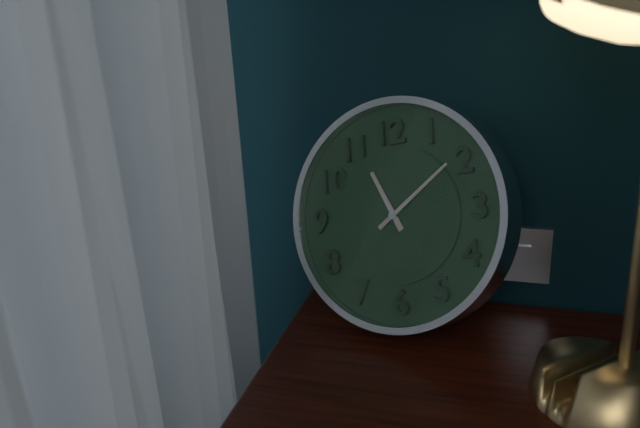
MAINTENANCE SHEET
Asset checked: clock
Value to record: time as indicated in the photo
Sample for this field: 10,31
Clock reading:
11,09
